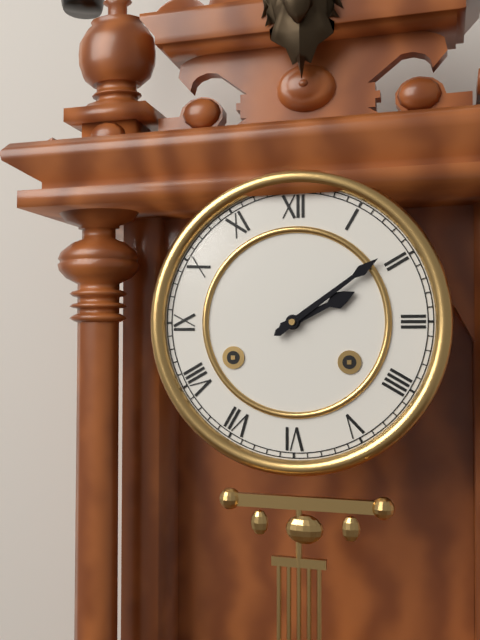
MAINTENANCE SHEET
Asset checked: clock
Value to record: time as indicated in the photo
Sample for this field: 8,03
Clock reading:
2,09
